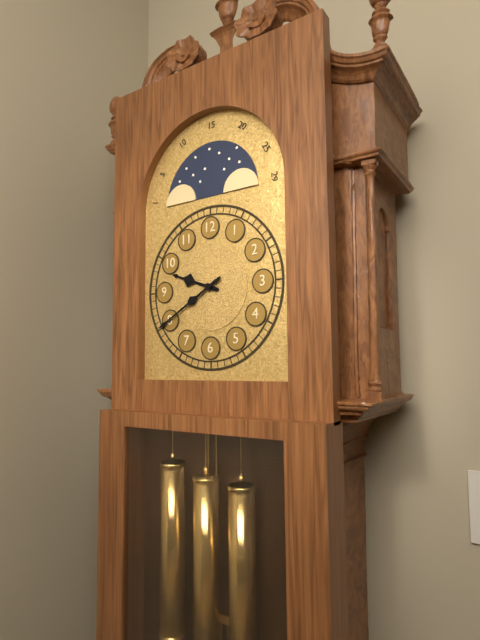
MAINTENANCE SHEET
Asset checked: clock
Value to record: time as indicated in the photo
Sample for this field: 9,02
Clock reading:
9,40
